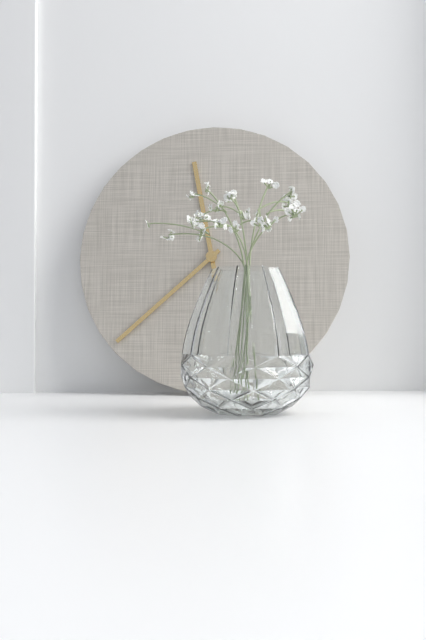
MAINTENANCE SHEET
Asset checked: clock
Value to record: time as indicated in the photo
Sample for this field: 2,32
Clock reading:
11,38
